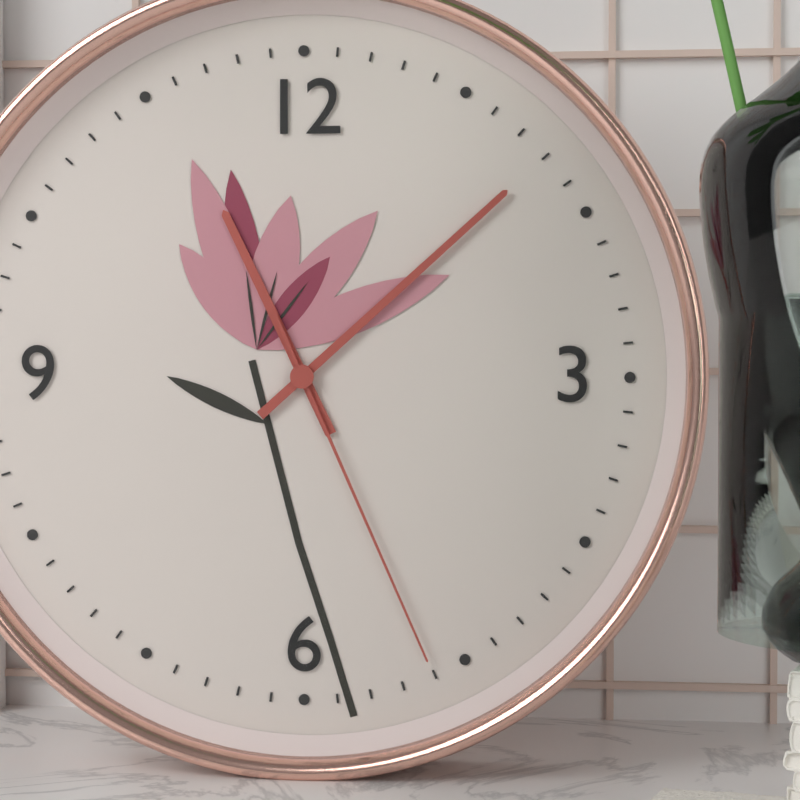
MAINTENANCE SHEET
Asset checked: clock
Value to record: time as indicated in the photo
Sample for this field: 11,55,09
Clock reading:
11,08,26
